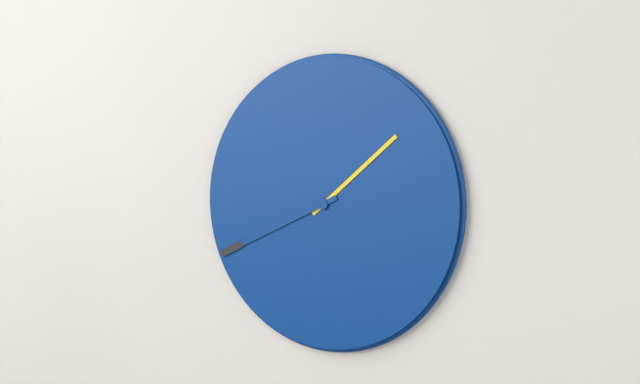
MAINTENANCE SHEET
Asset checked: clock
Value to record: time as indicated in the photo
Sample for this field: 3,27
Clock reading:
1,41
